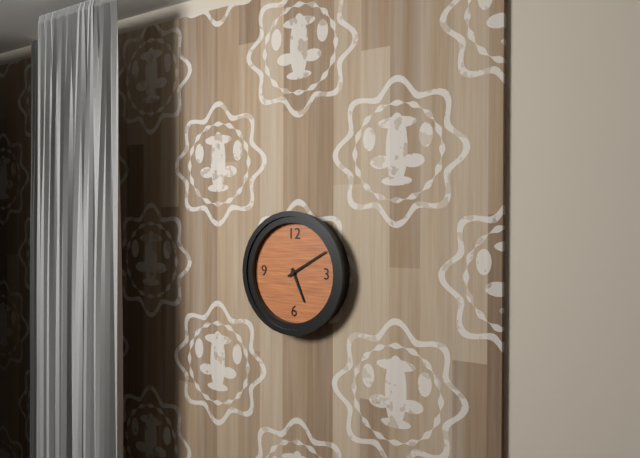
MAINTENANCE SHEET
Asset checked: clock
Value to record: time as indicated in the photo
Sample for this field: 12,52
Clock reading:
5,10
